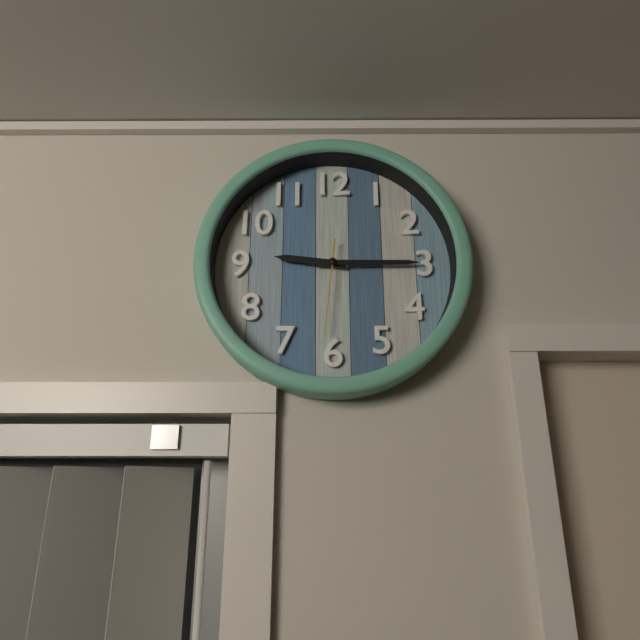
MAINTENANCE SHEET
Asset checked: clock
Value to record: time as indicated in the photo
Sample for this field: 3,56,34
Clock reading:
9,15,31
